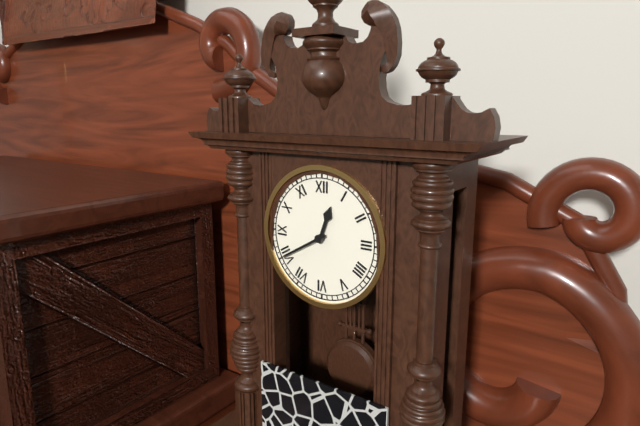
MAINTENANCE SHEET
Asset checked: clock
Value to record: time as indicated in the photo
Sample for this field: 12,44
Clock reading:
12,40
